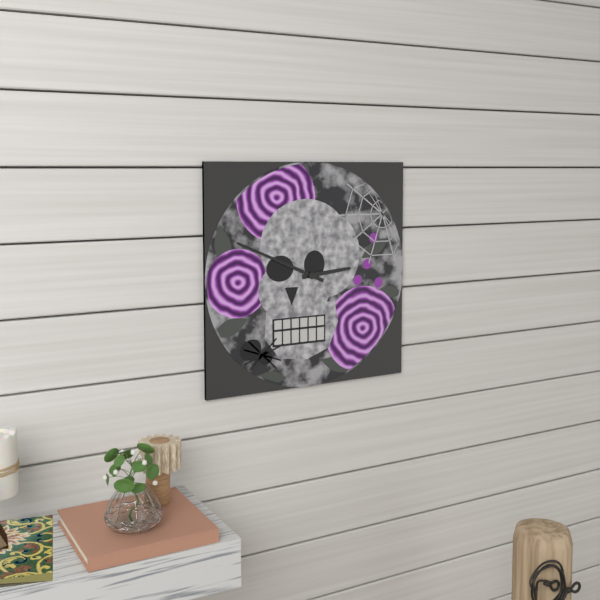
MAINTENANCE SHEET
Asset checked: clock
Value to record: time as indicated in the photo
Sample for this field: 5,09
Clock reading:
2,49
